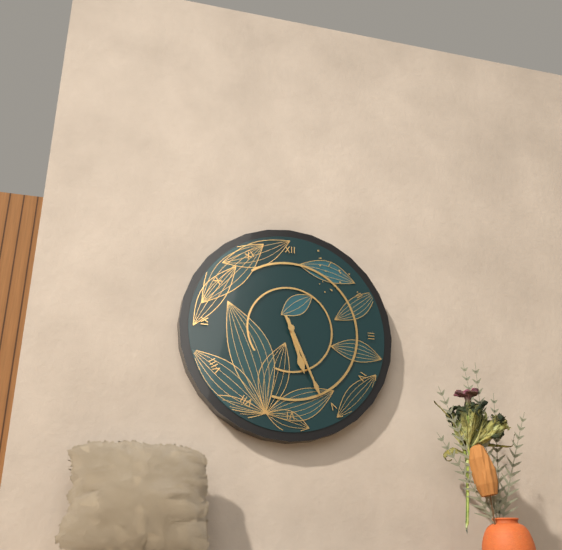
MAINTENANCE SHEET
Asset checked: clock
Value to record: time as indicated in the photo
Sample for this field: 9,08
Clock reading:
5,26
